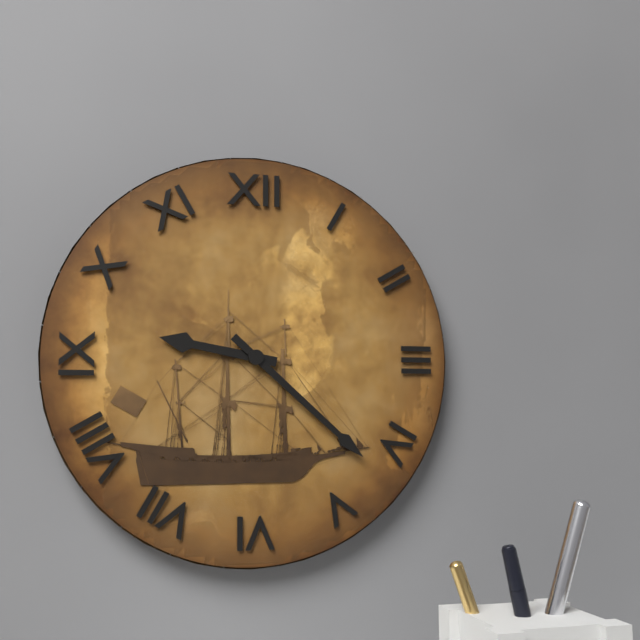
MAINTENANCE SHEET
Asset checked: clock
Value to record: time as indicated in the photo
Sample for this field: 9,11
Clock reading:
9,22
